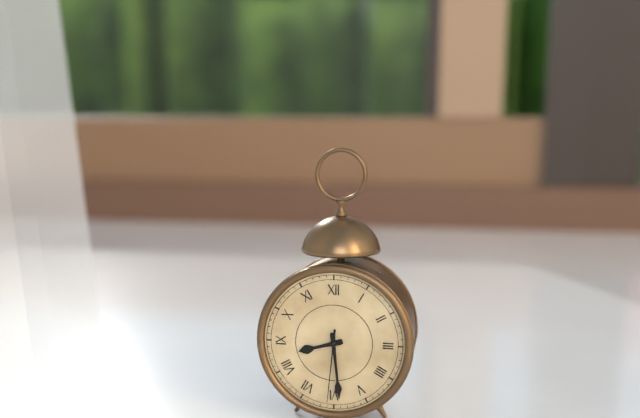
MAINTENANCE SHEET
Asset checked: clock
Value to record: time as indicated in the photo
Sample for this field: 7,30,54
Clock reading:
8,29,31
